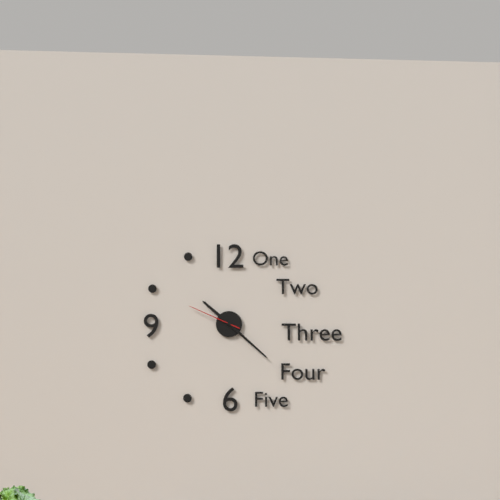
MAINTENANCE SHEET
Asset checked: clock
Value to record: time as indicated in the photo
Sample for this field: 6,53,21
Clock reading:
10,22,49
